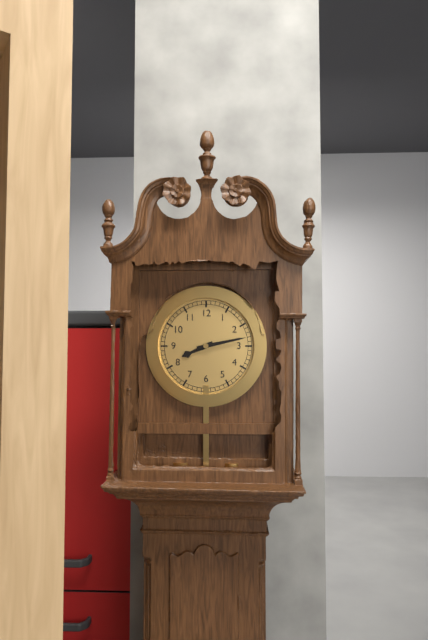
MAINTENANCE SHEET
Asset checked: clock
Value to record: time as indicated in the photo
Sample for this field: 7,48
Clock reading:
8,13
